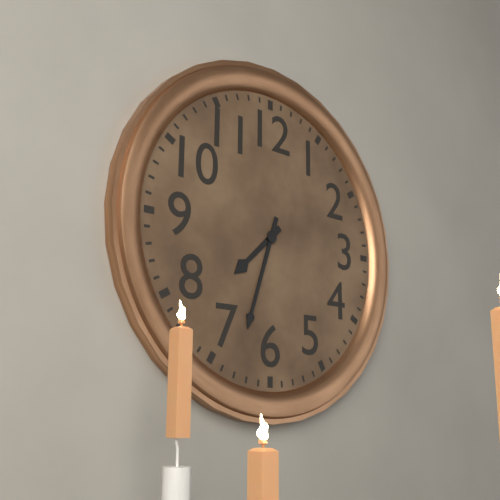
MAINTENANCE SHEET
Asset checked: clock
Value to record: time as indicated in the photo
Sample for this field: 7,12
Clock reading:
7,33
